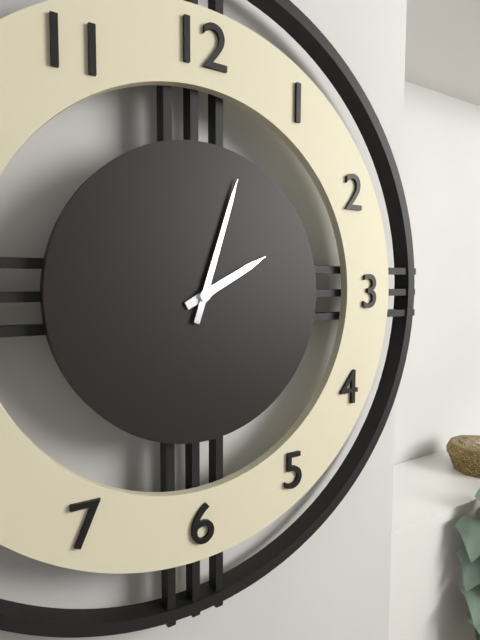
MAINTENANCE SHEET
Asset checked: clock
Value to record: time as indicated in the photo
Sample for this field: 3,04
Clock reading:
2,03
